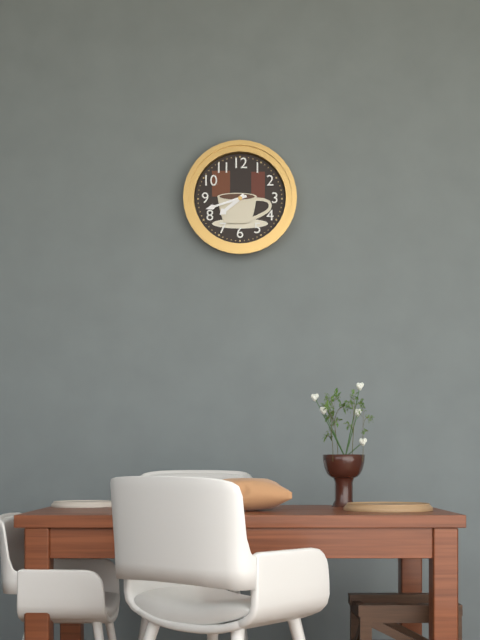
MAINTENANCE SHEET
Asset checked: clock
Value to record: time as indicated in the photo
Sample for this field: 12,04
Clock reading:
7,42
